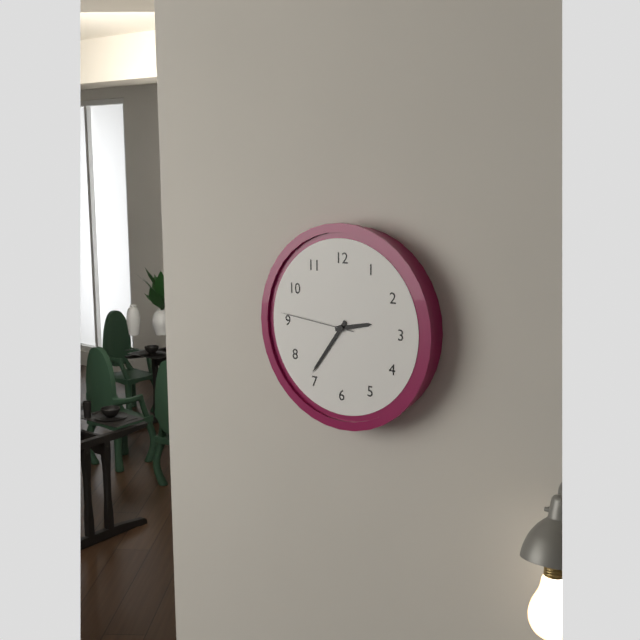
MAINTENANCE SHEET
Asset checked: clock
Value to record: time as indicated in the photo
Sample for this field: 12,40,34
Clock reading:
2,36,46
